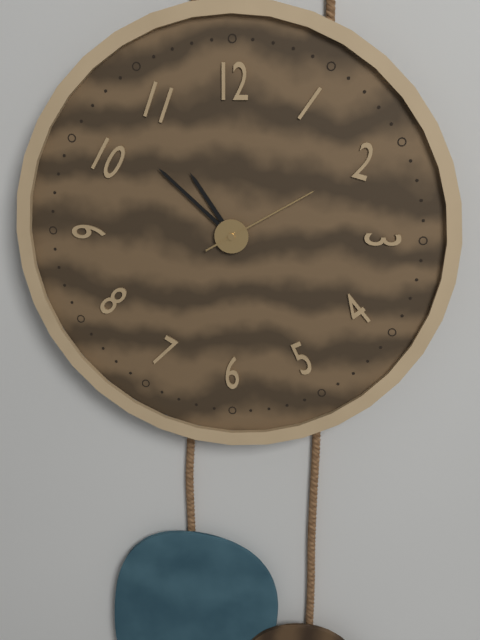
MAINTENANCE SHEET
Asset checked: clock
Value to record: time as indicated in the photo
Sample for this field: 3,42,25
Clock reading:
10,52,10
